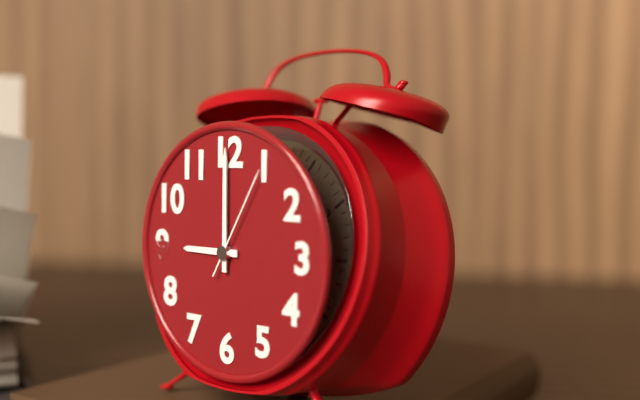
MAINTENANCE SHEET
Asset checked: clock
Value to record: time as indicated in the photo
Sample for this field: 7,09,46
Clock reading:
9,00,05
